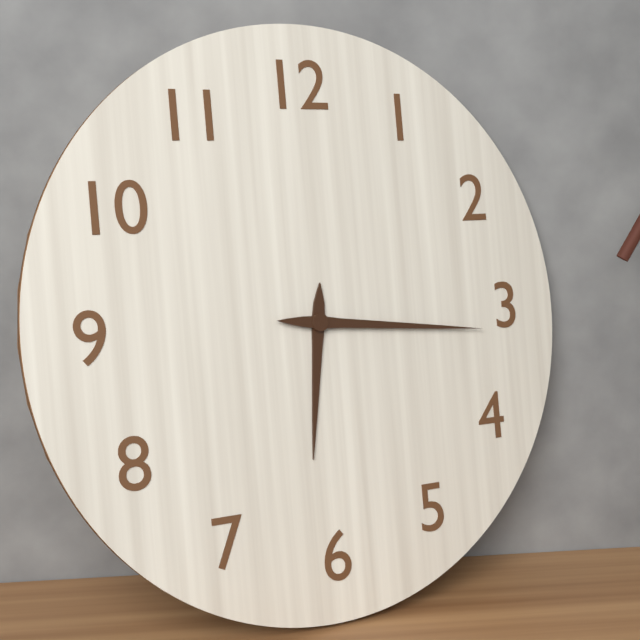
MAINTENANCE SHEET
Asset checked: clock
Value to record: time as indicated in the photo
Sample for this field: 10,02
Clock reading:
6,16
